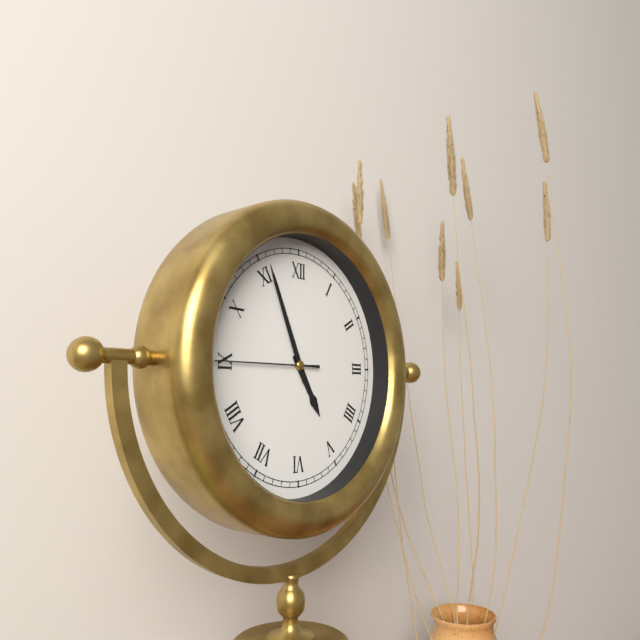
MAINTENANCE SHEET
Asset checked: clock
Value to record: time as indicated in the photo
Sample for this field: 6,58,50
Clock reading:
4,56,45
